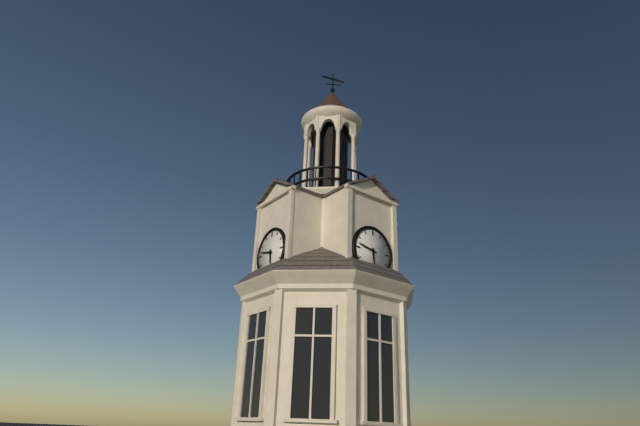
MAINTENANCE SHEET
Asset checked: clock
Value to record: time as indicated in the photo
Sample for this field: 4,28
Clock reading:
5,47
